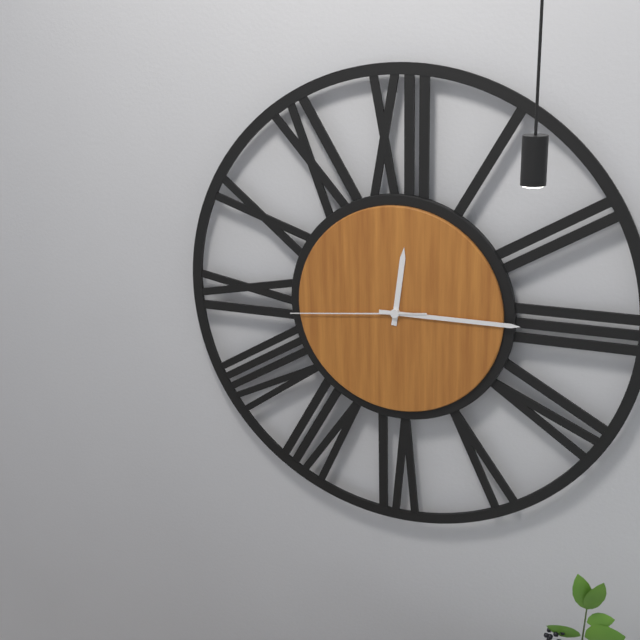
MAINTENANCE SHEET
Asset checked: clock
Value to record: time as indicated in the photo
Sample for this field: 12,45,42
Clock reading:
12,15,44
